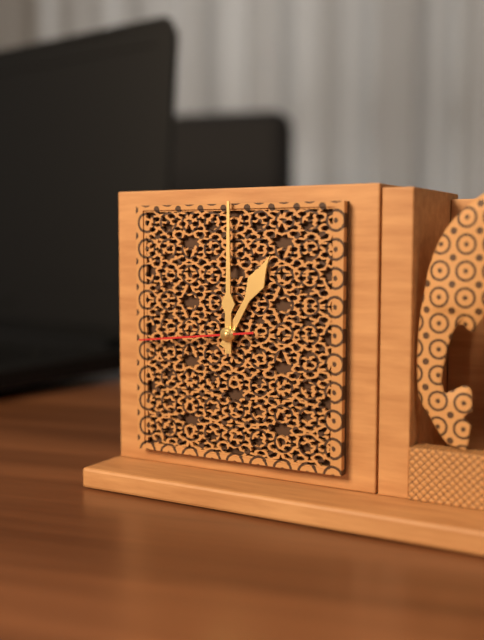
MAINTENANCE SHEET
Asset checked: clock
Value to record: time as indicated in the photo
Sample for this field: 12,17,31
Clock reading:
1,00,44
